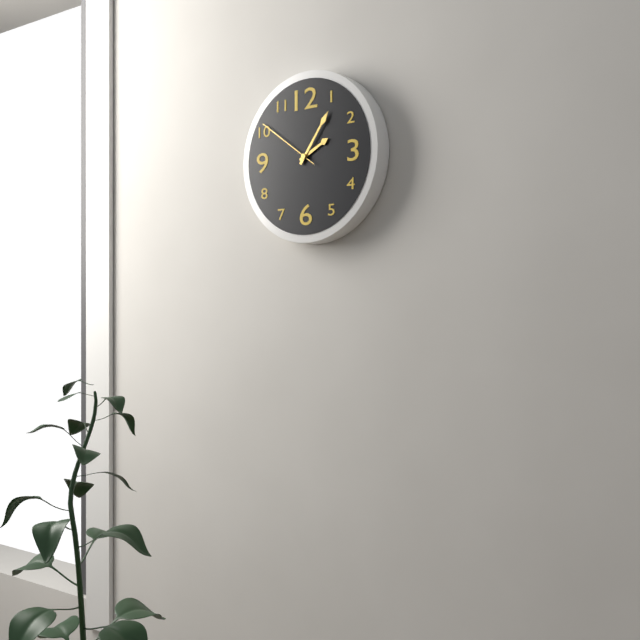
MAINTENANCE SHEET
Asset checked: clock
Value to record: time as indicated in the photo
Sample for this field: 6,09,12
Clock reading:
2,06,51
